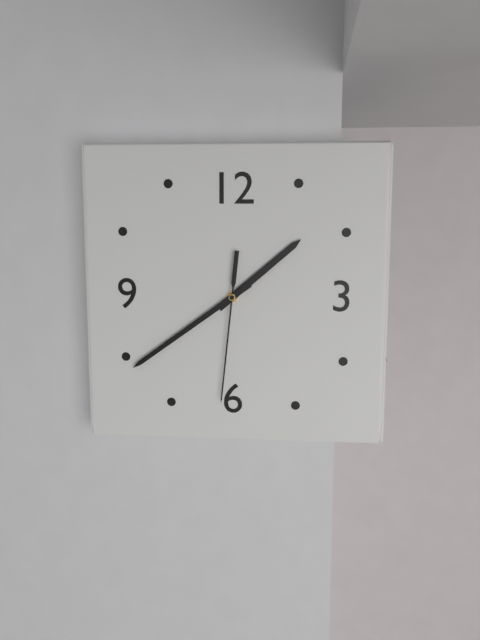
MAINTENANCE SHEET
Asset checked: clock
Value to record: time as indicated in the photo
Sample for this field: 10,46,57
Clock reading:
1,39,31
